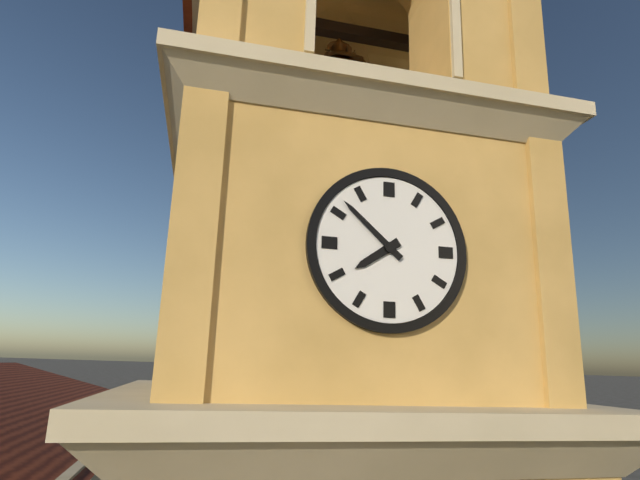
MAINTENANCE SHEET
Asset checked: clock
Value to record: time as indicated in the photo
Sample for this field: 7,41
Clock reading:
7,52
